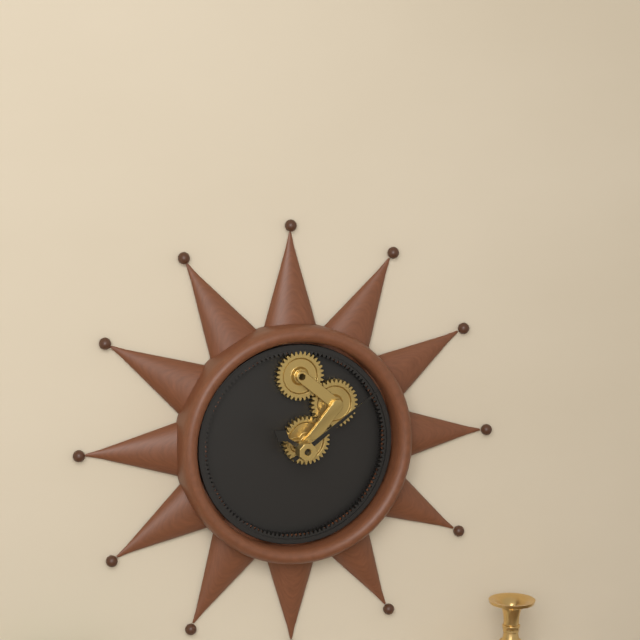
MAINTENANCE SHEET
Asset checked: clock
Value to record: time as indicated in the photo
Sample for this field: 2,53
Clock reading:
10,09
